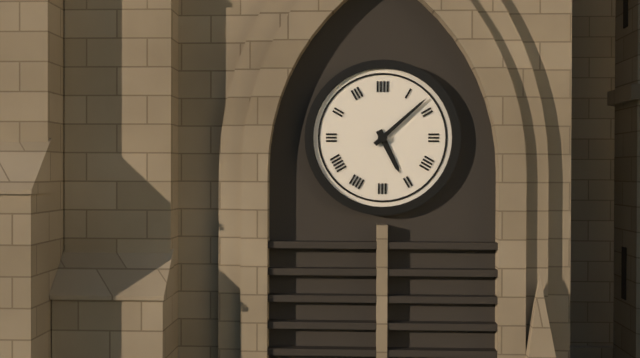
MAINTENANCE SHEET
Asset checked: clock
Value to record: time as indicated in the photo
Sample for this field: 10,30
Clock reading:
5,08
